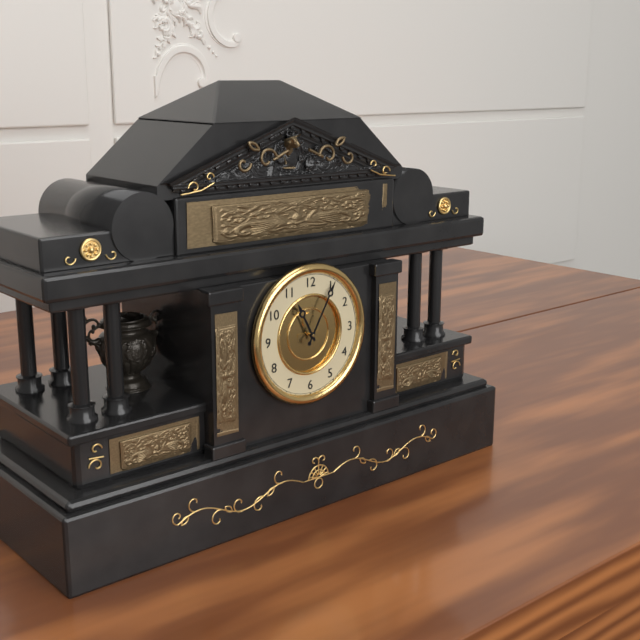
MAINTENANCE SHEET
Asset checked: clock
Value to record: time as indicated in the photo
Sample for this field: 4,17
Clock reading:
11,05
